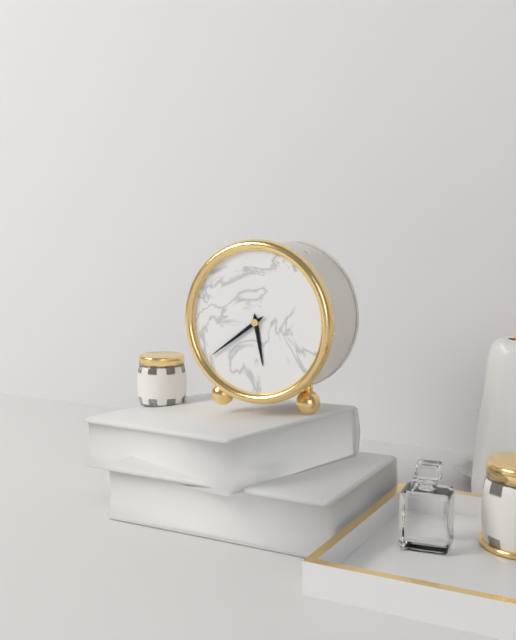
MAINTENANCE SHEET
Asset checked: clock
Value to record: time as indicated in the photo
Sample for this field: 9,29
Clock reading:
5,39
